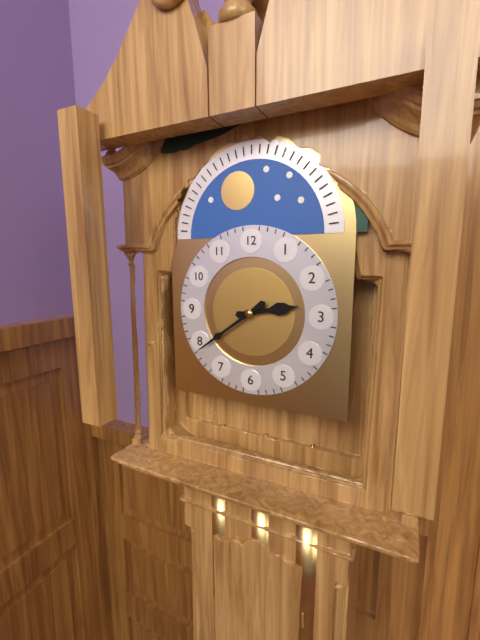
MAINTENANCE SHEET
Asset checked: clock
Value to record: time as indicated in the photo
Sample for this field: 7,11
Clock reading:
2,39
